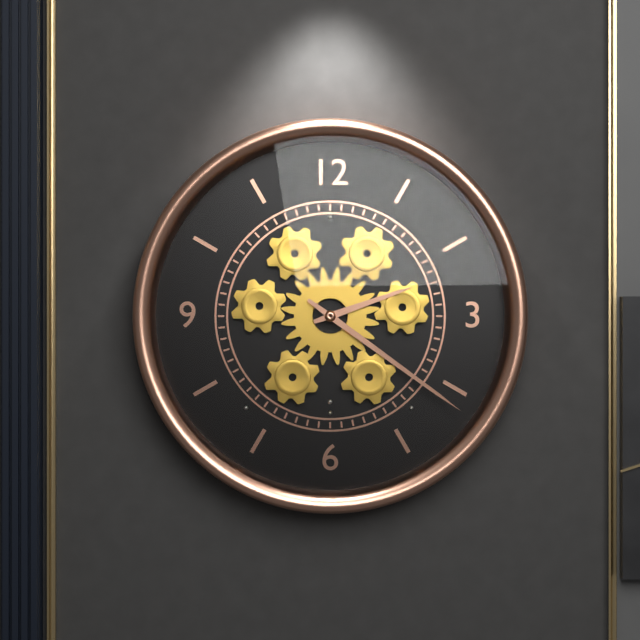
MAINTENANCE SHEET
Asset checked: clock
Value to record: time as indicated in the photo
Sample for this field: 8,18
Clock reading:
2,21
